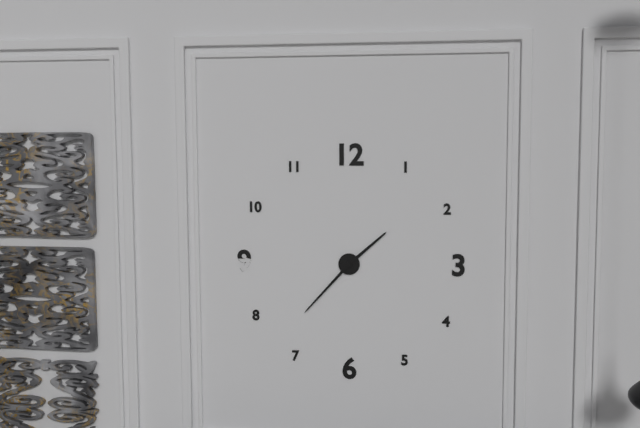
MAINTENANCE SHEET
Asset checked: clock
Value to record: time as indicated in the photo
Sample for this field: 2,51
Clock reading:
1,37
